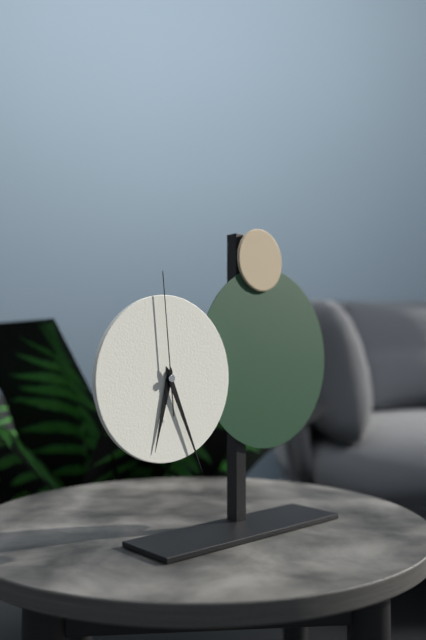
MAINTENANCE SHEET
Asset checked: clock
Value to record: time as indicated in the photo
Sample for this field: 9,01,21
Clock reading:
6,26,59
